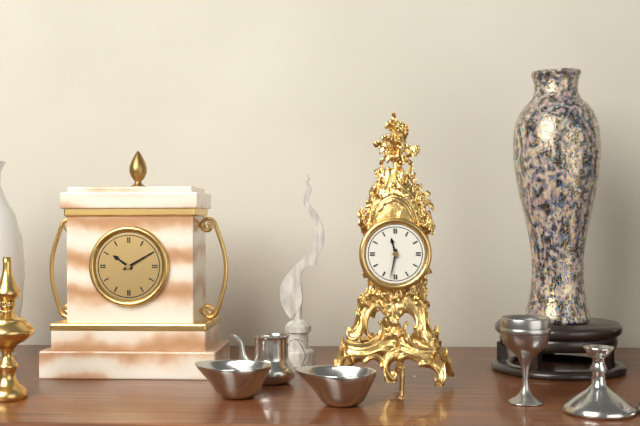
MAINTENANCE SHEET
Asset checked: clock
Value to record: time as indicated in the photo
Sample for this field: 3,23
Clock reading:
11,32
